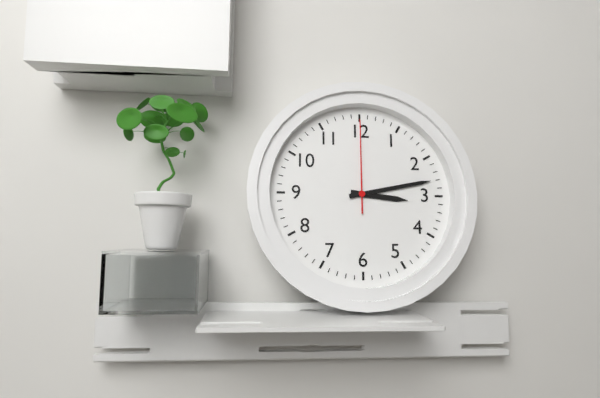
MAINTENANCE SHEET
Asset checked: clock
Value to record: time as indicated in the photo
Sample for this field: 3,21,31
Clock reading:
3,13,00
